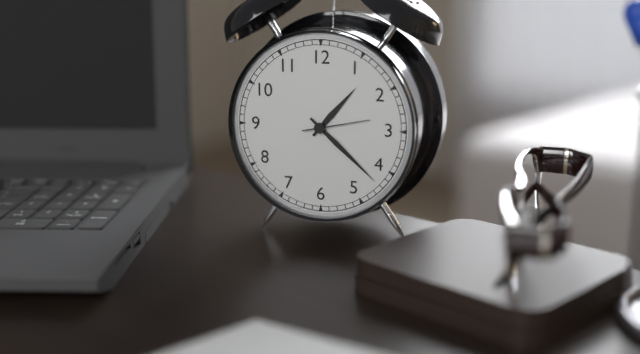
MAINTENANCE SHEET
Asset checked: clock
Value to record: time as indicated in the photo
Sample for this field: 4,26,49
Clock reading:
1,22,13
